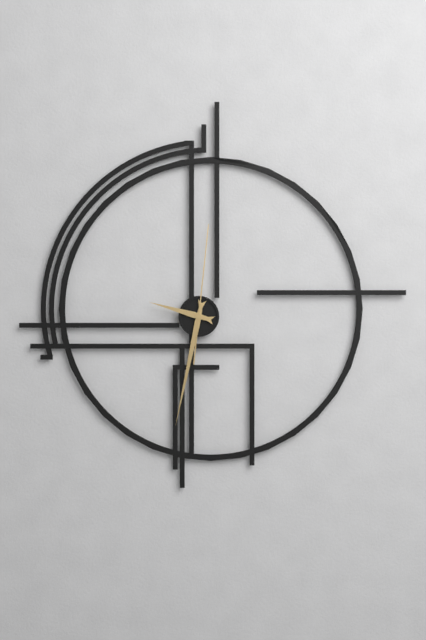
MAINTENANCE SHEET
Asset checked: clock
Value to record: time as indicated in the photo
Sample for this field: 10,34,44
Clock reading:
9,32,01
